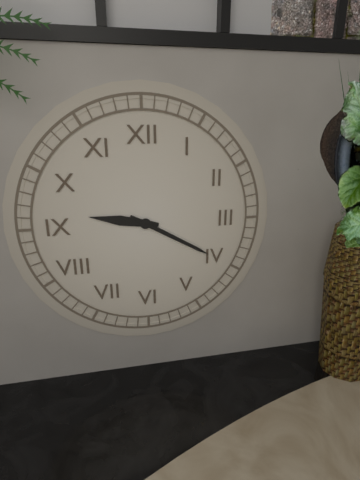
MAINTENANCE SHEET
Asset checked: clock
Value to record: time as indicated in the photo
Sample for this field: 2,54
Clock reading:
9,20
